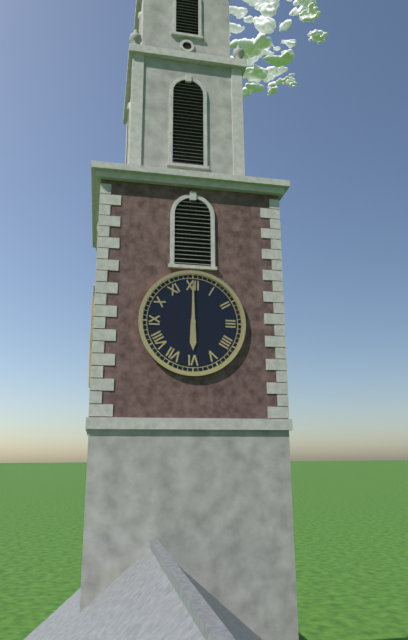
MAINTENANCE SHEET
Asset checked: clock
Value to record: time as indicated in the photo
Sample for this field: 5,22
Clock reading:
6,00
